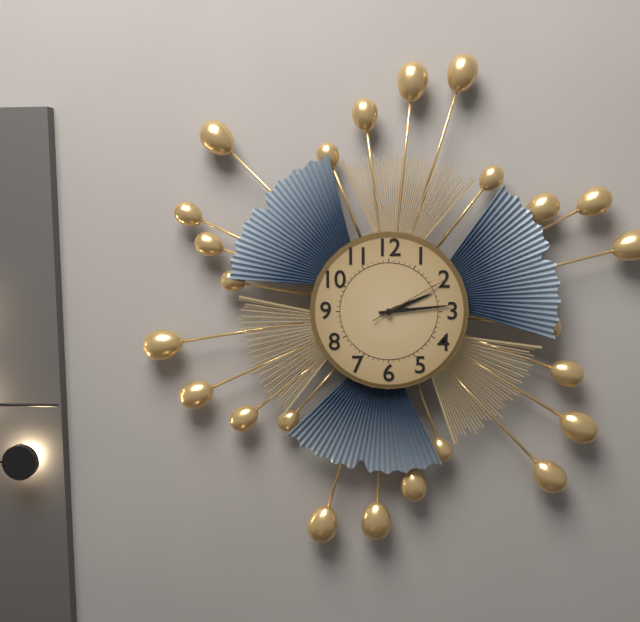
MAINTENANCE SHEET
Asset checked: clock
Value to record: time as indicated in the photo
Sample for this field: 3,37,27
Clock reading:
2,14,10
